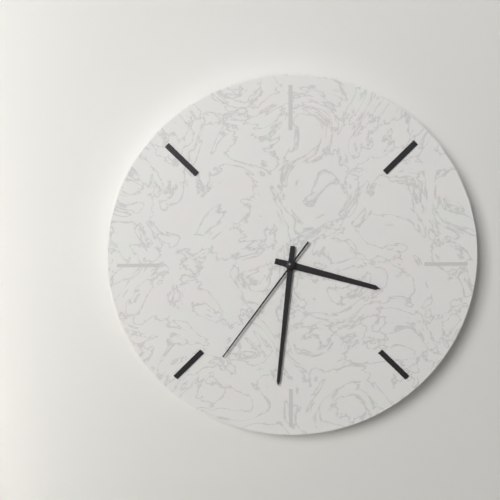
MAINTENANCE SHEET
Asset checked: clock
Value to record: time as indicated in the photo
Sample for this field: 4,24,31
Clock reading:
3,31,36
